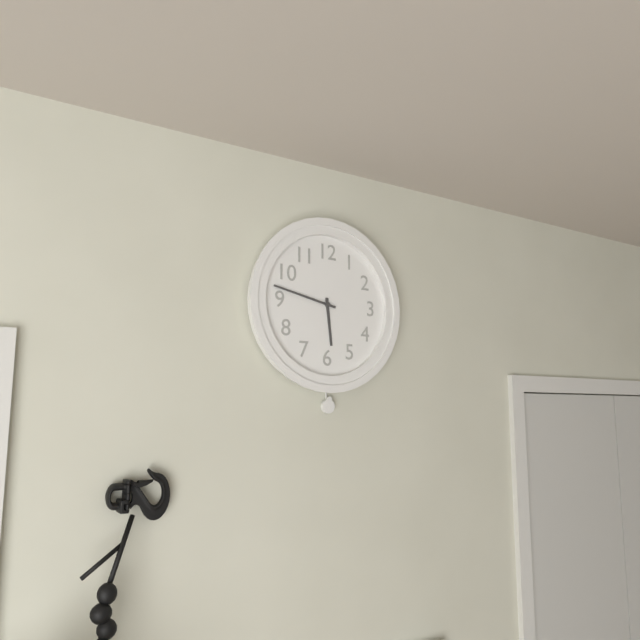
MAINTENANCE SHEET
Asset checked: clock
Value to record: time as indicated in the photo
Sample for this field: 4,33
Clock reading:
5,47
